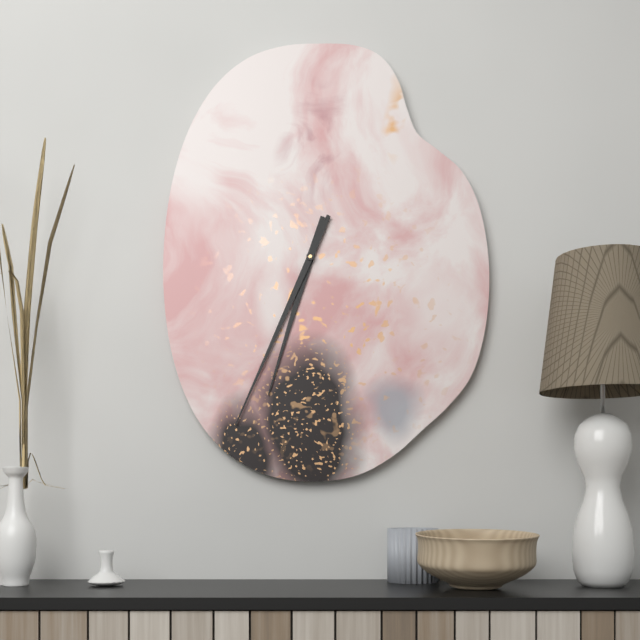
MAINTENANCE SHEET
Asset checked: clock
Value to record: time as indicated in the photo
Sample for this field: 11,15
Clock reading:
6,34
